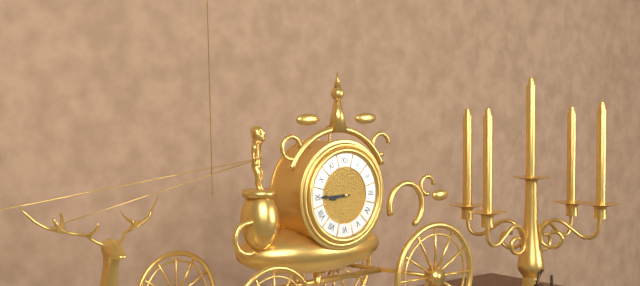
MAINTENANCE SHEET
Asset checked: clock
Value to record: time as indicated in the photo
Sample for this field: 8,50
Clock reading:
8,45
